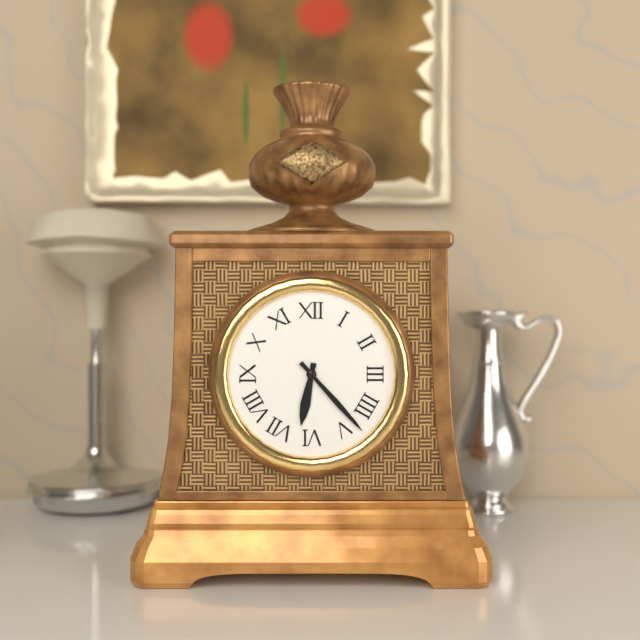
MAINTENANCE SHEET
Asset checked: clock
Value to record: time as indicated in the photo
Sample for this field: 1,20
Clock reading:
6,23
